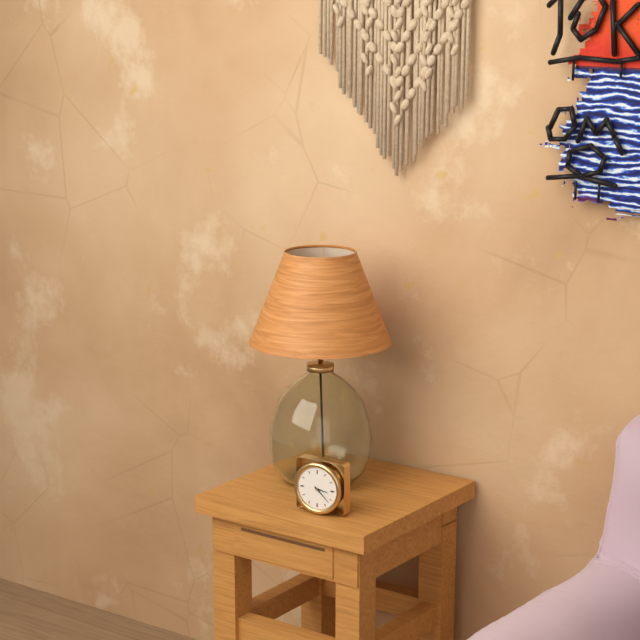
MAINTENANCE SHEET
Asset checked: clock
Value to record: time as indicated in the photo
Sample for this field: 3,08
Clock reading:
3,22
